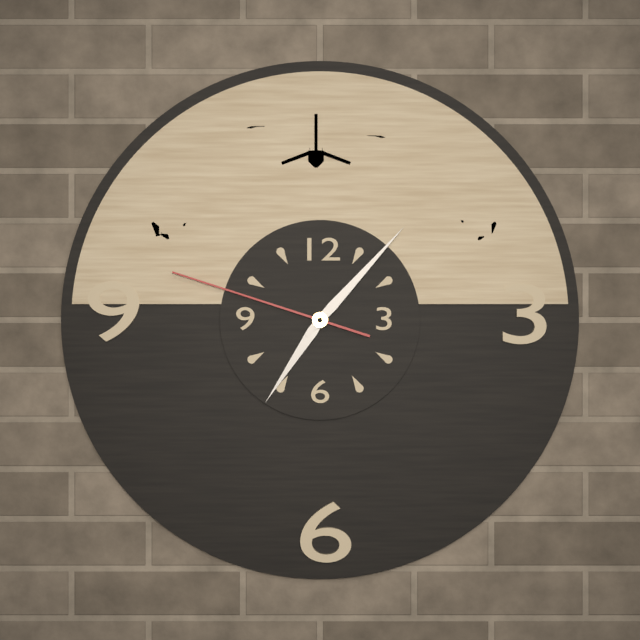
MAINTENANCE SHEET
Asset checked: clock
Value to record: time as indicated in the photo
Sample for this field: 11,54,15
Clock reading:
7,07,48
